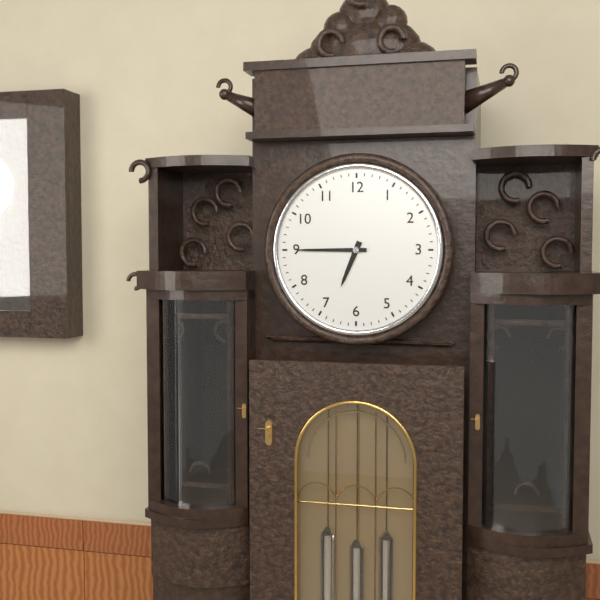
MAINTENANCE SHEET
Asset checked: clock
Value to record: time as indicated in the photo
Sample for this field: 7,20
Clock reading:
6,45
